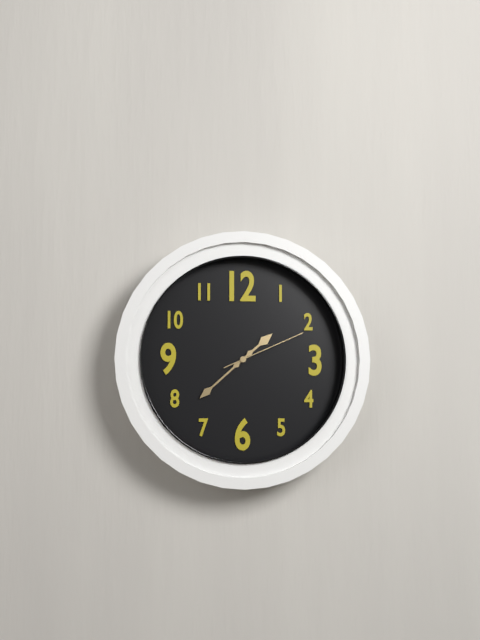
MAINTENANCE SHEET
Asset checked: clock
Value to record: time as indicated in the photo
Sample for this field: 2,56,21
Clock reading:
1,38,11
